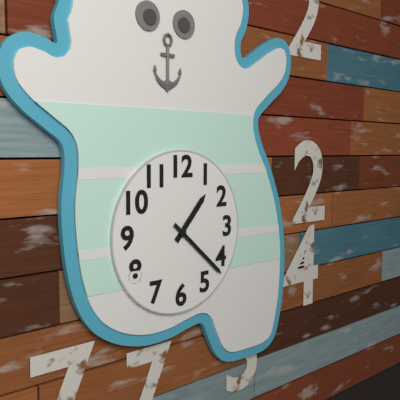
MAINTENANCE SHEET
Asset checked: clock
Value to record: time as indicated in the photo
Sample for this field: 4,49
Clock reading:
1,22
